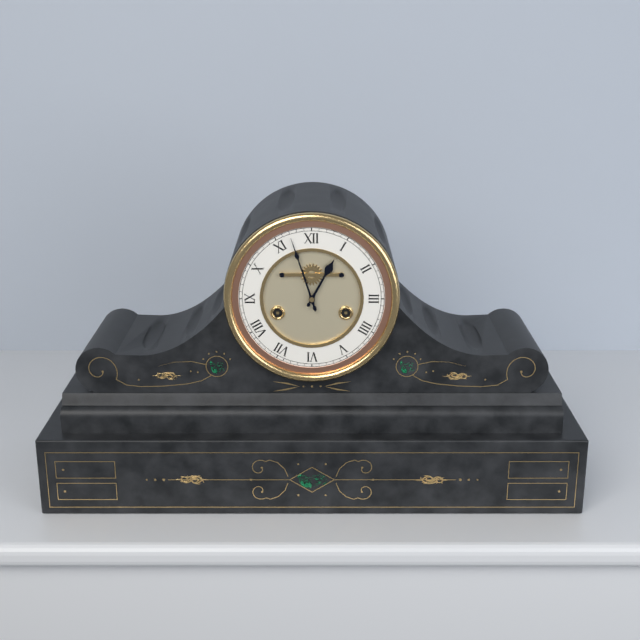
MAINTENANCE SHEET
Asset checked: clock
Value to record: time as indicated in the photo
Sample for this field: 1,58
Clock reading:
12,57
